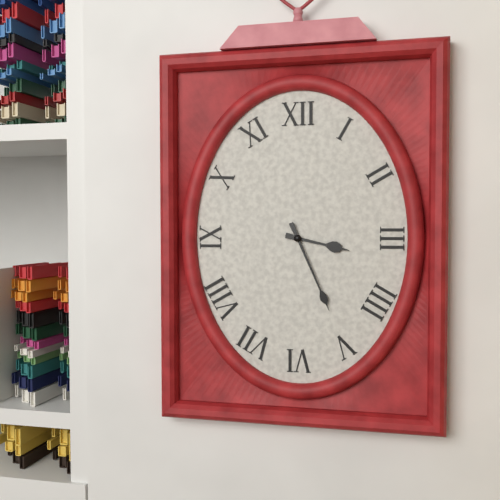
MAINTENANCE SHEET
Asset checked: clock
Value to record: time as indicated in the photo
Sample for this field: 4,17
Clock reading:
3,26
